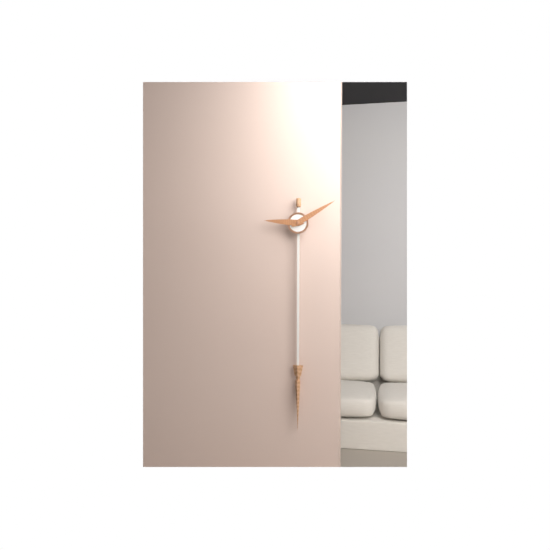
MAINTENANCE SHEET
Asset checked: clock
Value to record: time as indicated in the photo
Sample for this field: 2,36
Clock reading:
9,10
